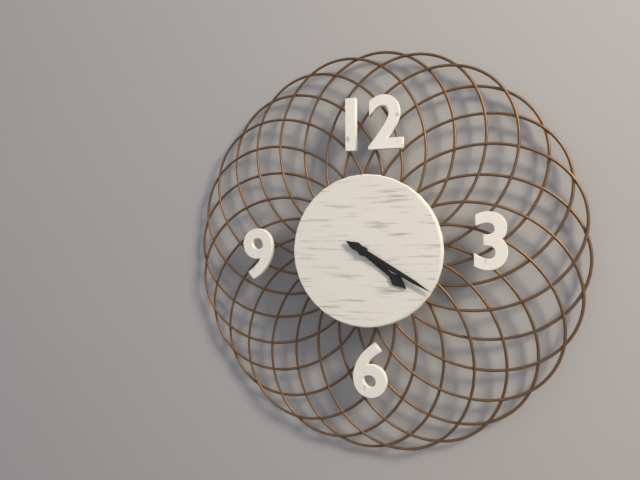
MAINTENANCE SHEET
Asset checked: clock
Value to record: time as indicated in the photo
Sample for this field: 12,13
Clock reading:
4,20
